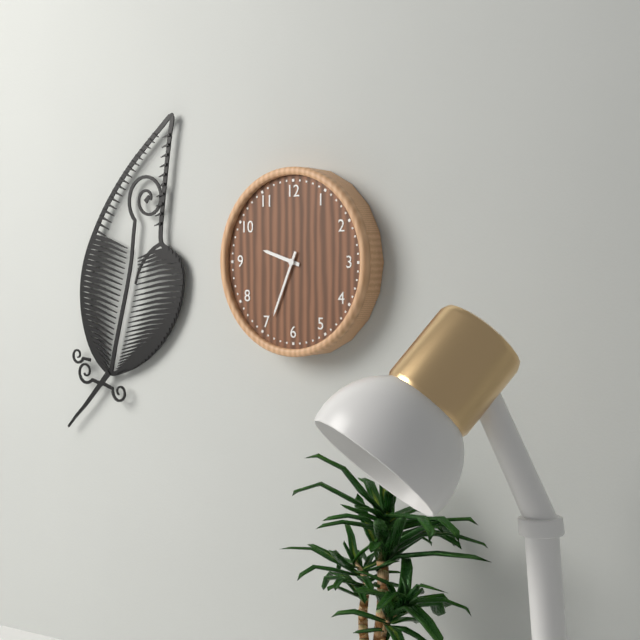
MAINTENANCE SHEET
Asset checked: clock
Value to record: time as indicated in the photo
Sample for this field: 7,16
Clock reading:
9,34
